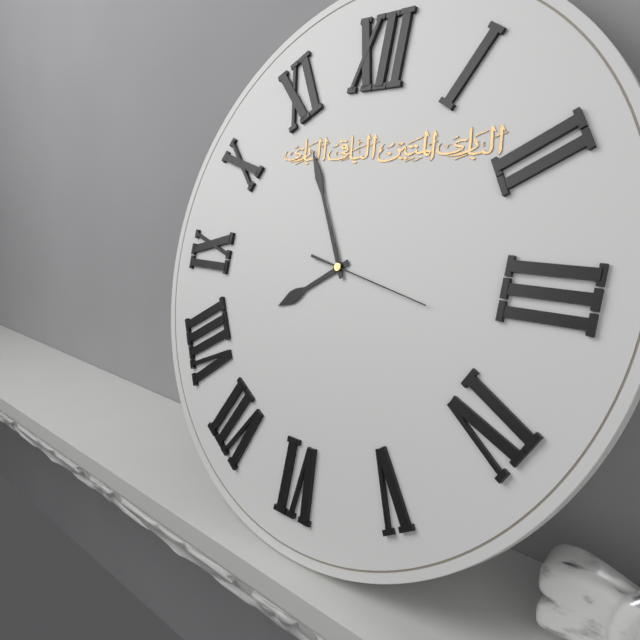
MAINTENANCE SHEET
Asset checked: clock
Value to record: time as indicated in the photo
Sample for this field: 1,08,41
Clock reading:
7,55,17
